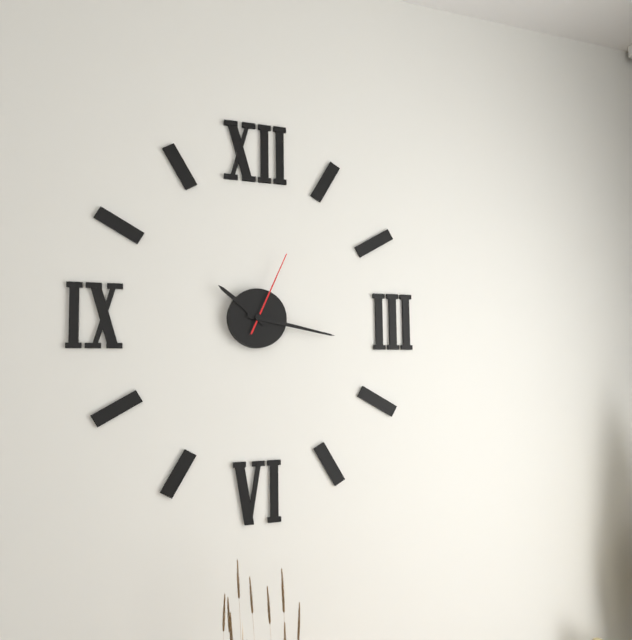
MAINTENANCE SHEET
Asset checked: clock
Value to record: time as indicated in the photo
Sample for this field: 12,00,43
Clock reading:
10,17,04
